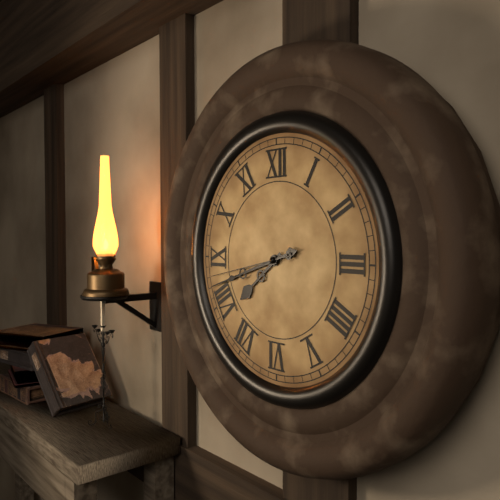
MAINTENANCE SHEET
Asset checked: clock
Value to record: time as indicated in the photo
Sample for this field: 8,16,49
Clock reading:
7,42,43
